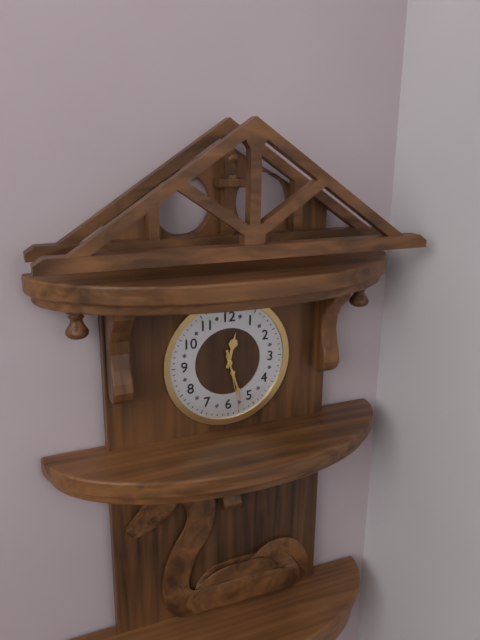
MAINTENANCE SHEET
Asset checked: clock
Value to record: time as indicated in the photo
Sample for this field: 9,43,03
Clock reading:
12,27,28
